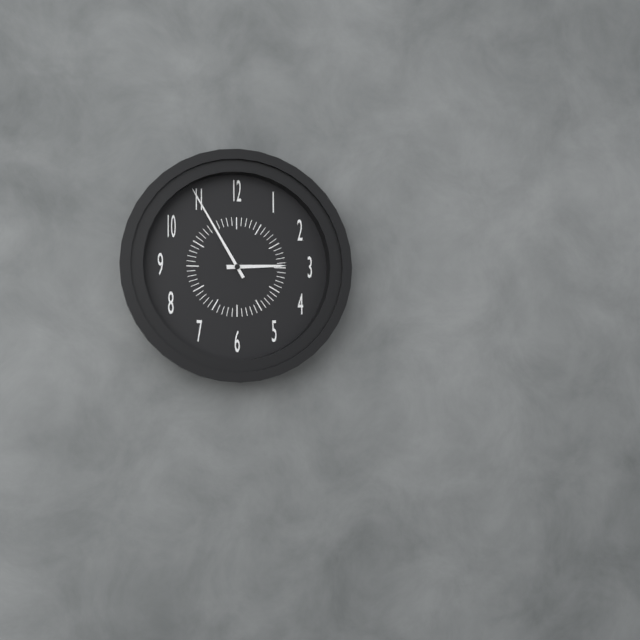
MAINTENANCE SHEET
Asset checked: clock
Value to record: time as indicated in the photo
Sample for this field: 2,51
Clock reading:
2,55
